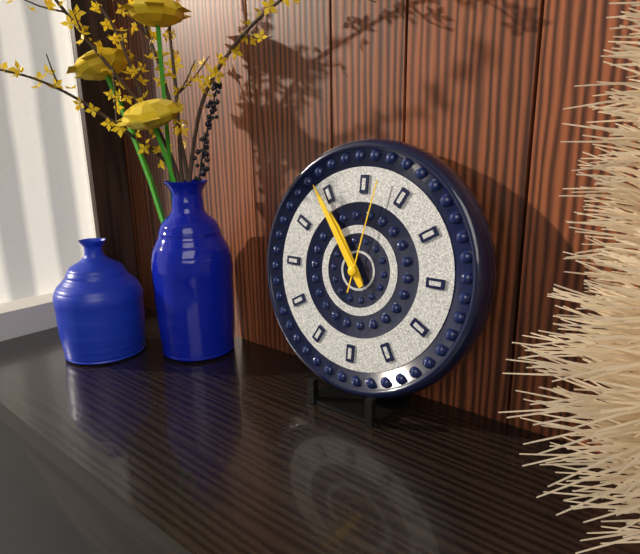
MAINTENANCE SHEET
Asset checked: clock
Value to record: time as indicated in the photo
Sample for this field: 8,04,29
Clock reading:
10,54,02
